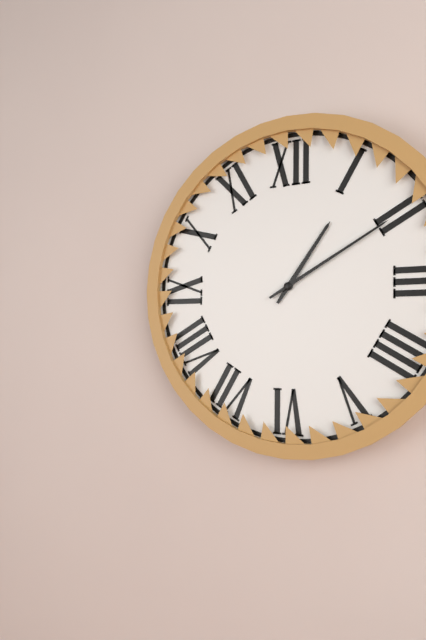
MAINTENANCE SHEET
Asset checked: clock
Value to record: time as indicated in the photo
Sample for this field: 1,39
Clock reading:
1,10
